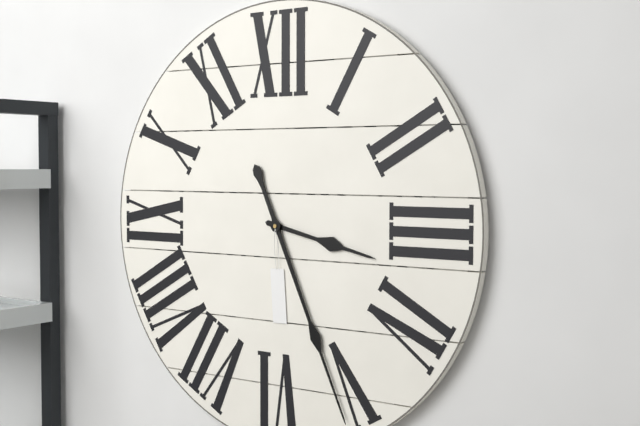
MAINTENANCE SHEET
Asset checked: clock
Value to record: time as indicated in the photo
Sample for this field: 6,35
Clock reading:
3,26
